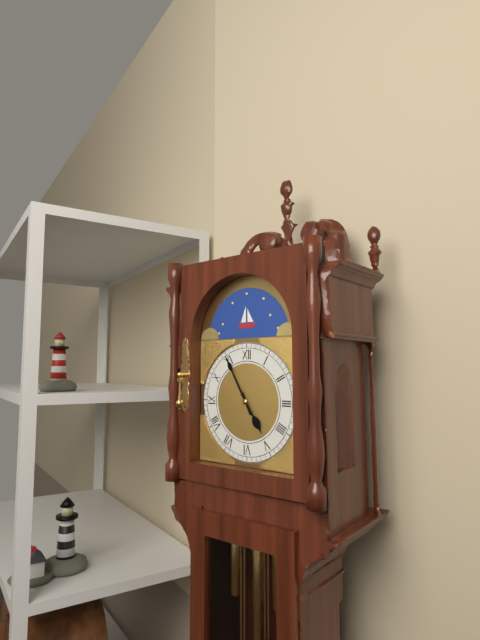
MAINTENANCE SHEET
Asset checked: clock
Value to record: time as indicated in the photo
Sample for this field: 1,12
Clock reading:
4,55
